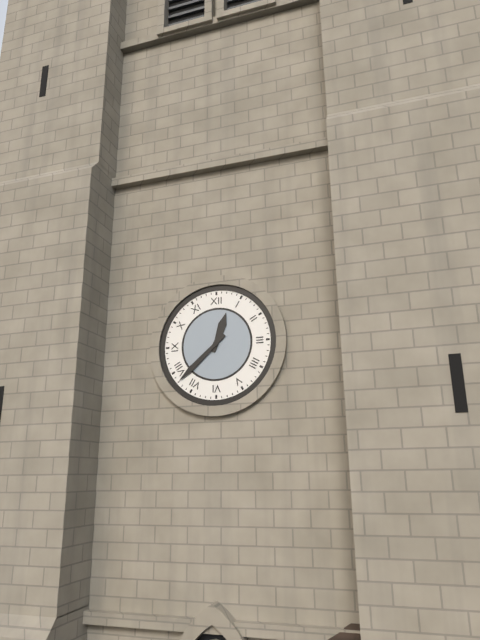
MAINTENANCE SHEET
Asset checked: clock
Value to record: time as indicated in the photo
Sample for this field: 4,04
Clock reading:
12,38
